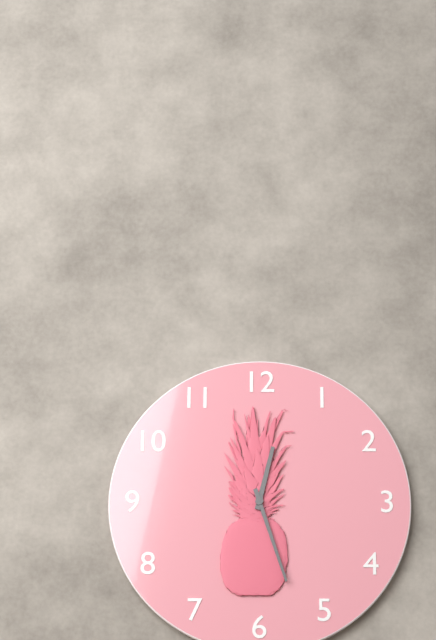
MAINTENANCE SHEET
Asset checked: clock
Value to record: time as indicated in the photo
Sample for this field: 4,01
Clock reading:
12,27
